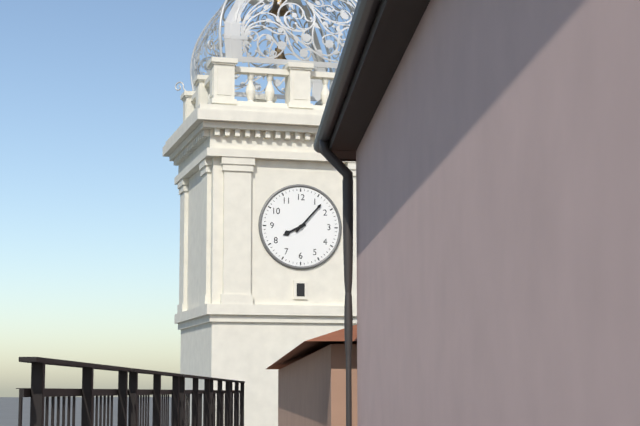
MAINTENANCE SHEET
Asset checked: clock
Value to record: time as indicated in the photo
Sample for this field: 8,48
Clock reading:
8,07
